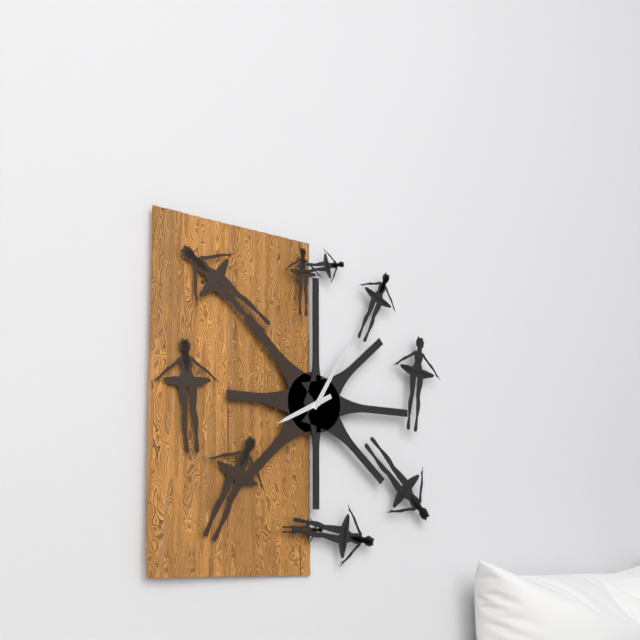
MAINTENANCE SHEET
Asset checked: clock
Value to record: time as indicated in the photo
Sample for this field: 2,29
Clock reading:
8,05
